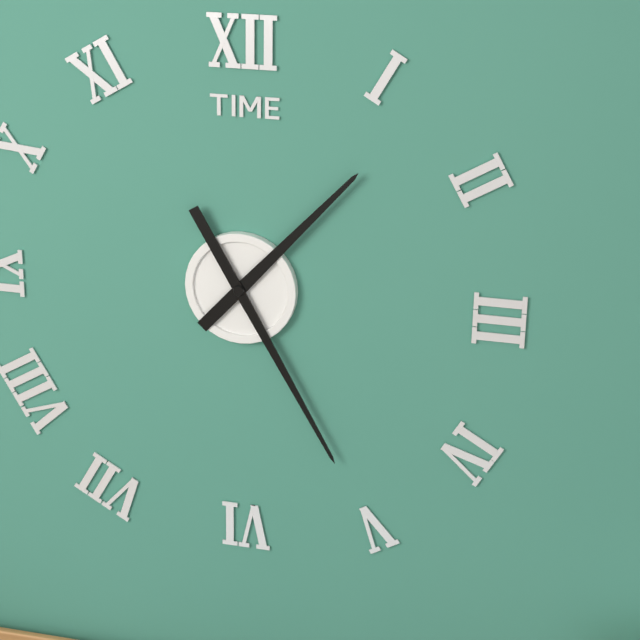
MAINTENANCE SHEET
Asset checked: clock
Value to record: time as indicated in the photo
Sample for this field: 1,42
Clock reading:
1,25
